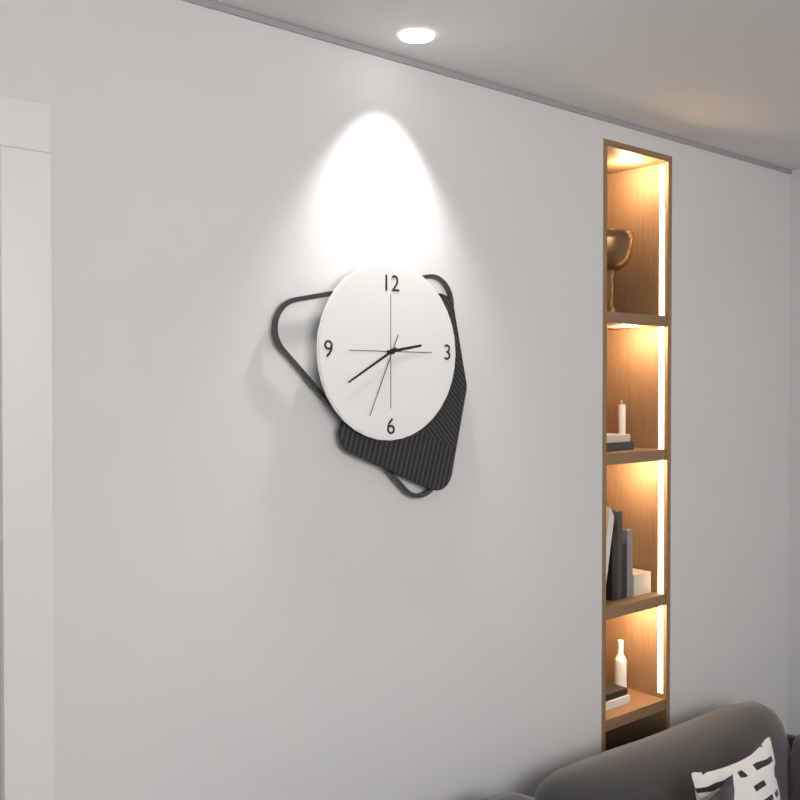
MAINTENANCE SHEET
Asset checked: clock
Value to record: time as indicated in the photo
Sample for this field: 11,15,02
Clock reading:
2,40,34
